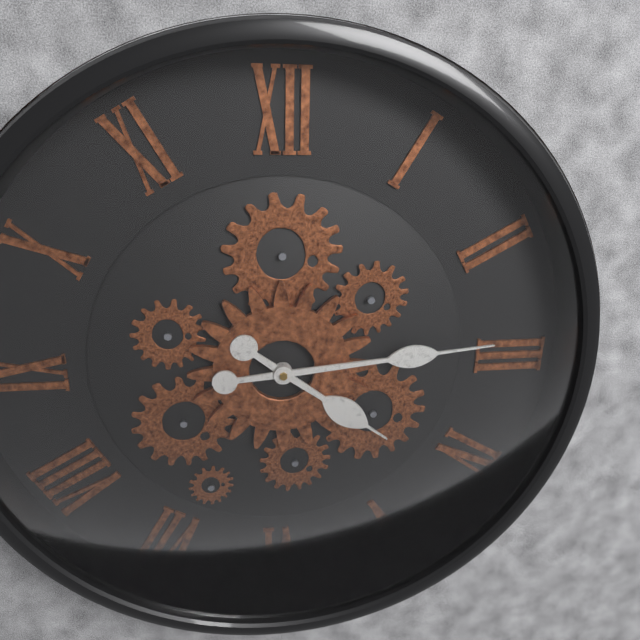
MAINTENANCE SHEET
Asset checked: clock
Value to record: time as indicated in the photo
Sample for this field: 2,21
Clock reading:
4,14
